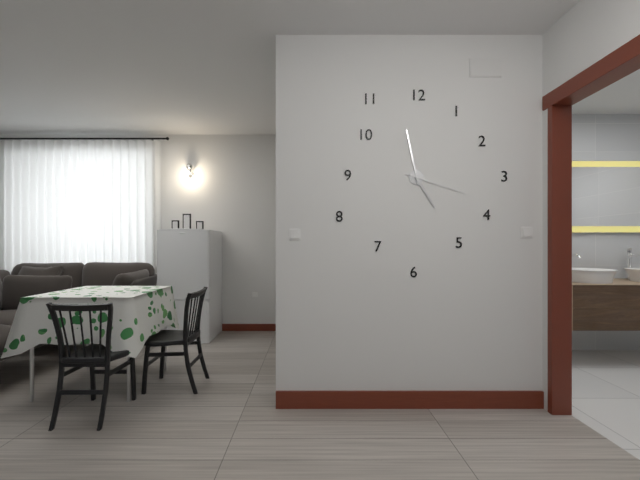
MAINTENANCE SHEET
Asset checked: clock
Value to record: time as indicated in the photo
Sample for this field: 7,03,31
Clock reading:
4,58,18
